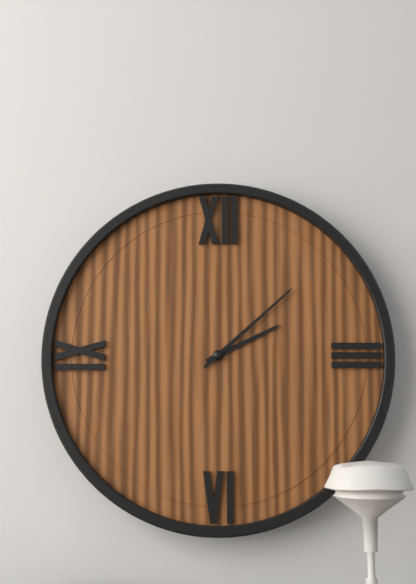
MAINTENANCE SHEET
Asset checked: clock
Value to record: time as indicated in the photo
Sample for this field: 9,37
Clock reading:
2,08
